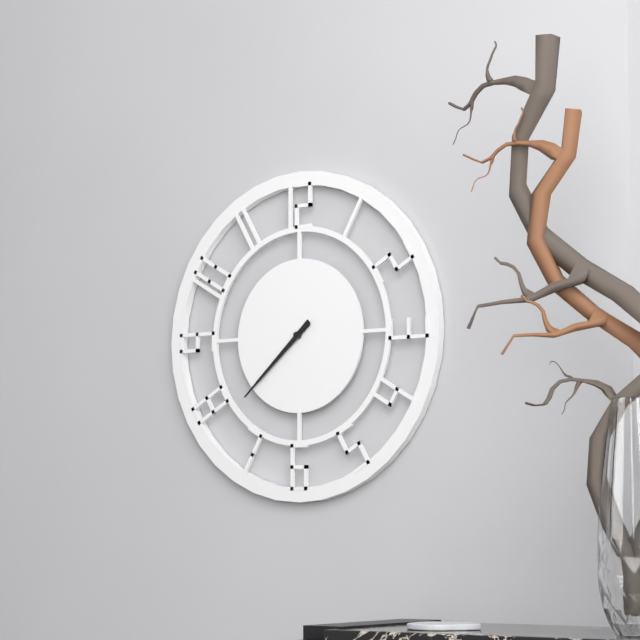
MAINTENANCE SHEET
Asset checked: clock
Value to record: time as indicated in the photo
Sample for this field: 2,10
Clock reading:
7,38
